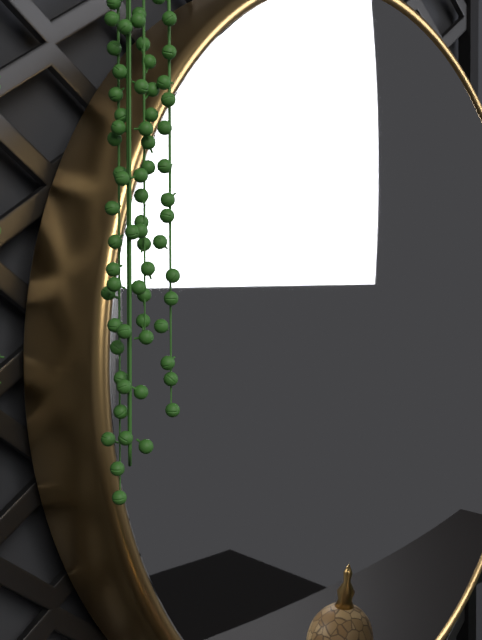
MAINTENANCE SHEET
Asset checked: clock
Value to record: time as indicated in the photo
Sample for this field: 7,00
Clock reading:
7,21
